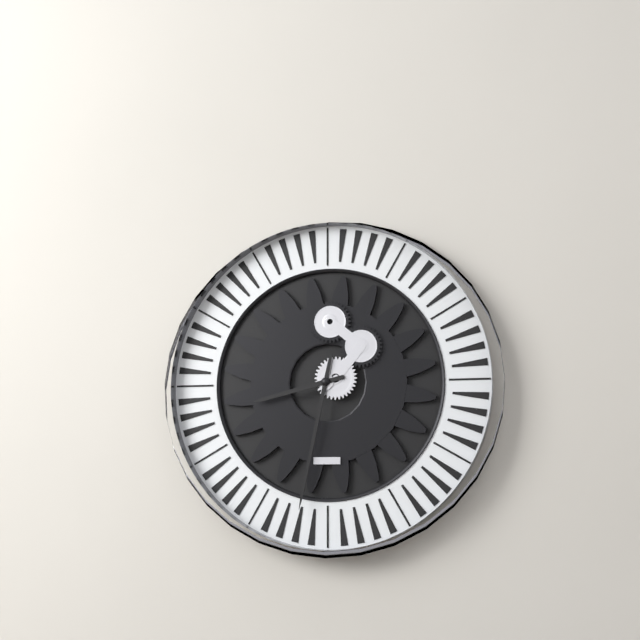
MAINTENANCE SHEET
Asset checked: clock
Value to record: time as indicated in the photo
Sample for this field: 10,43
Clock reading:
8,32
